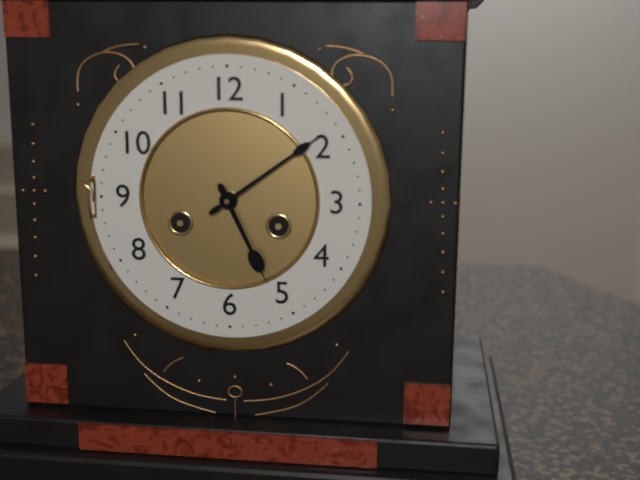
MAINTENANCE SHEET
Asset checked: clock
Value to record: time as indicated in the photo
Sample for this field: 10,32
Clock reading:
5,09
